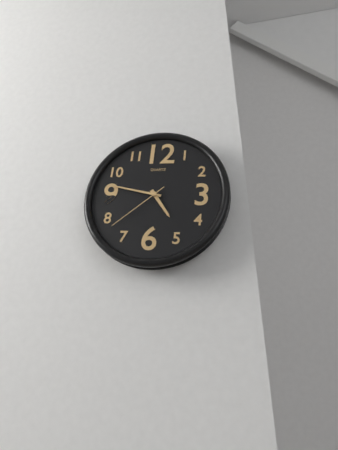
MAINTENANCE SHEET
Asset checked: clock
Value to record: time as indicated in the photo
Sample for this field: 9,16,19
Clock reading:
4,47,38
